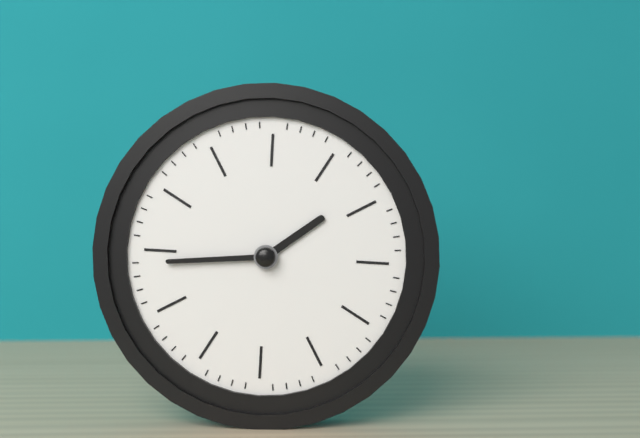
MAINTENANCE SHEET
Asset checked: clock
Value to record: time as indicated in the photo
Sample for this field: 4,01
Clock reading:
1,44
